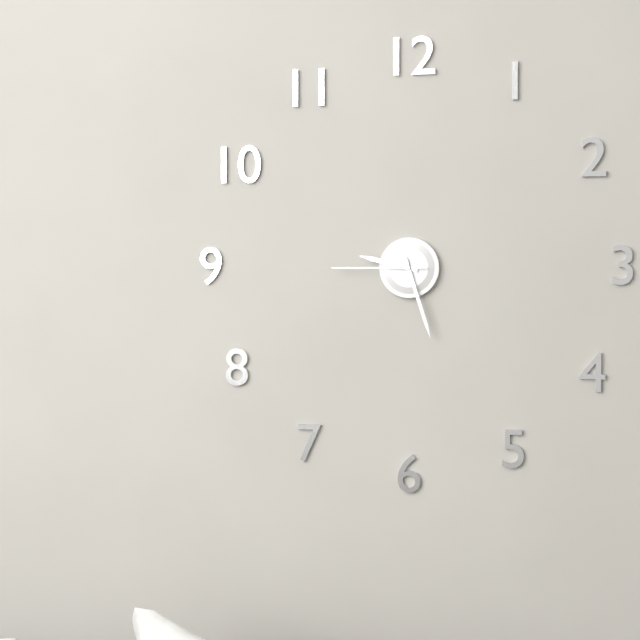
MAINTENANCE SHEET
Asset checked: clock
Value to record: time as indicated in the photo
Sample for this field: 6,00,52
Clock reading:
9,27,45
